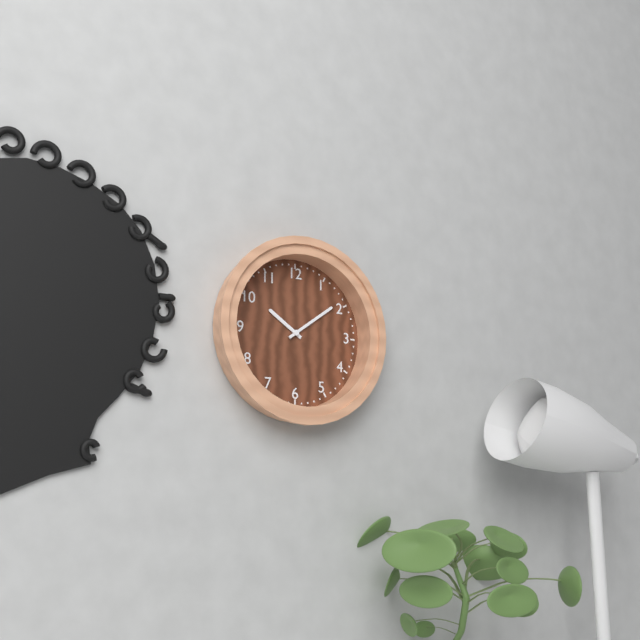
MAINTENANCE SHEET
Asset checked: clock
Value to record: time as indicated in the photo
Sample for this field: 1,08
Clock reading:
10,09
